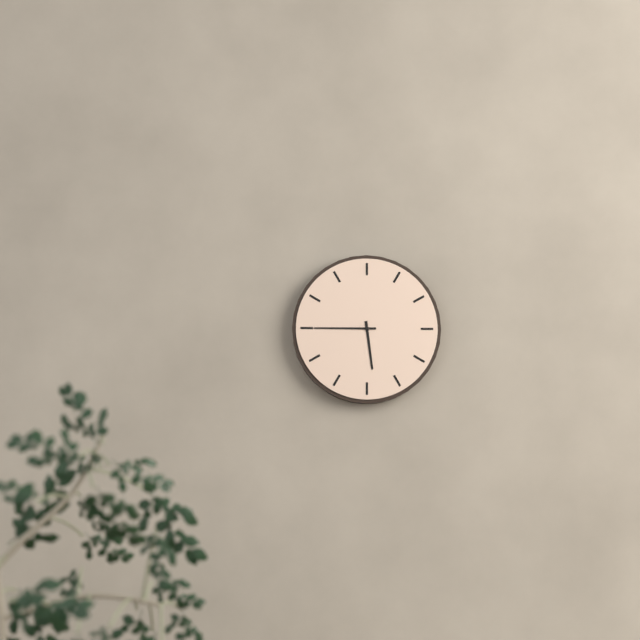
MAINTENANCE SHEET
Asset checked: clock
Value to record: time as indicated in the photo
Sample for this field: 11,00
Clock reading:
5,45
